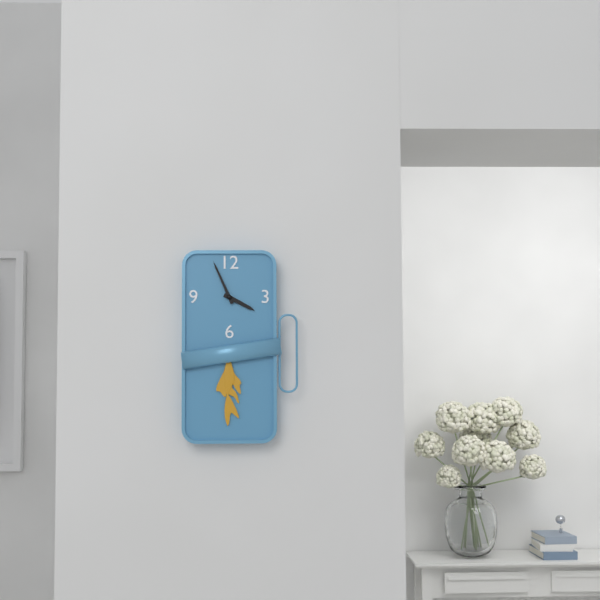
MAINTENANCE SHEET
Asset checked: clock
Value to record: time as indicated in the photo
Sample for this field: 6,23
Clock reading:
3,56
